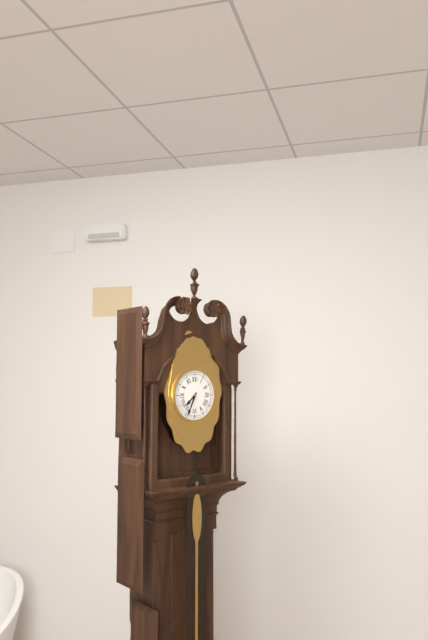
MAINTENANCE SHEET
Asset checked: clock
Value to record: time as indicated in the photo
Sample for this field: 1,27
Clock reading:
7,34
